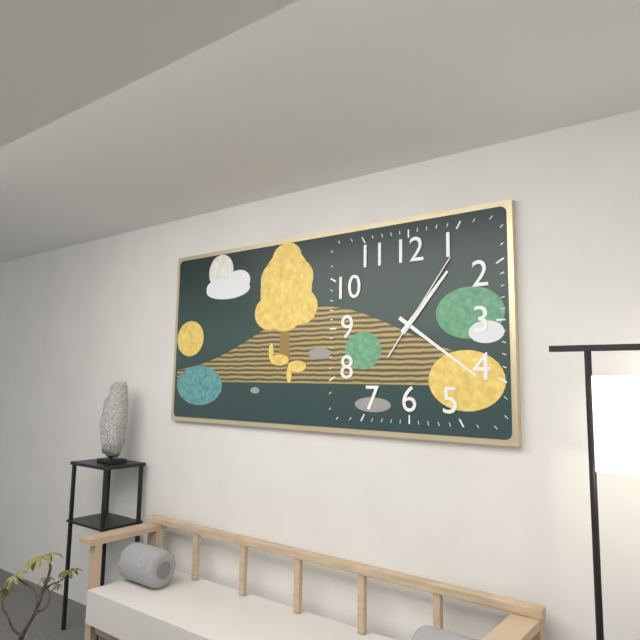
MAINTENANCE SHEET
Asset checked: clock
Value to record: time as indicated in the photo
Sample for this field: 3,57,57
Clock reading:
1,21,06
